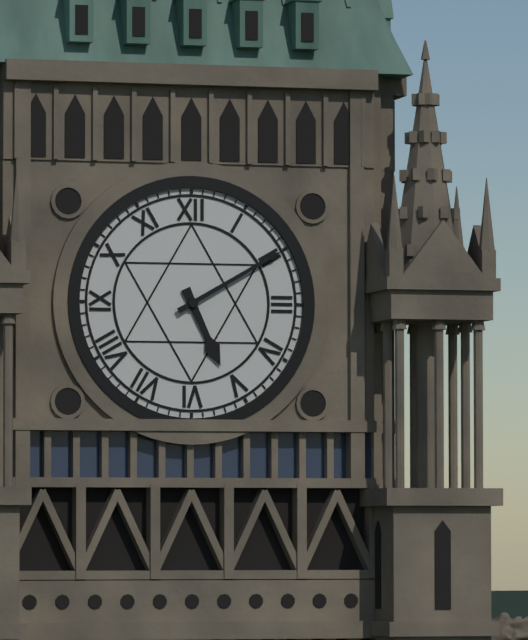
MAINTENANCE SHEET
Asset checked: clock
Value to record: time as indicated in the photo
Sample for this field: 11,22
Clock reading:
5,10
